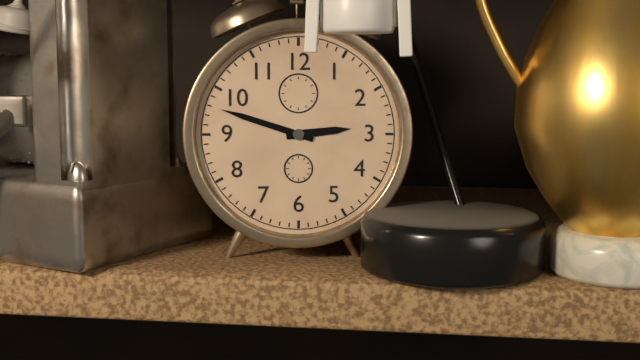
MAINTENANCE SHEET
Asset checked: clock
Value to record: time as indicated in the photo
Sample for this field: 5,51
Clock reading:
2,48
